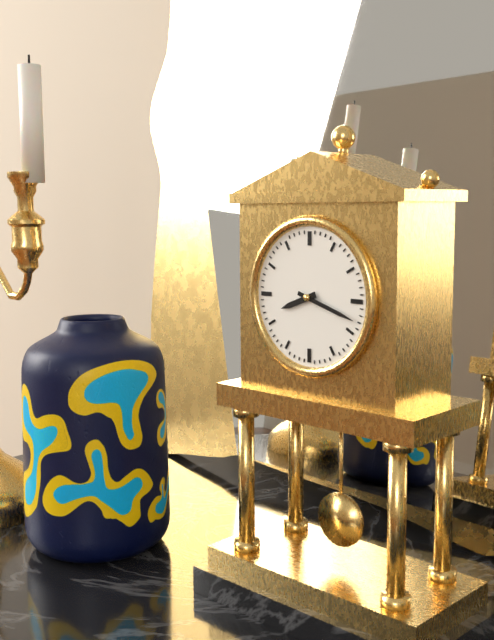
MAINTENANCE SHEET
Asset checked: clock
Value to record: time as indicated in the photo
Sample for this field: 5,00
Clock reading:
8,18
